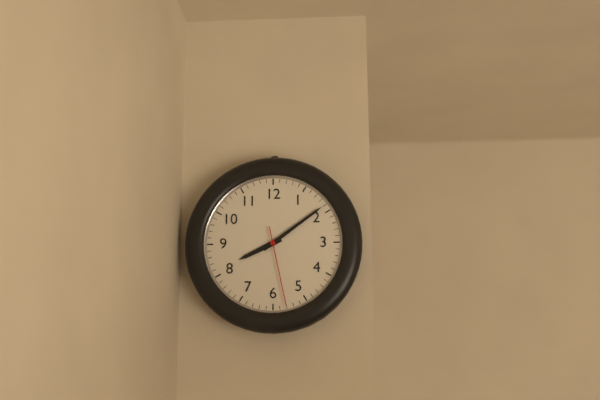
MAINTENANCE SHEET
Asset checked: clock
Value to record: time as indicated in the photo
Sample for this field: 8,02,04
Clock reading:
8,09,28
